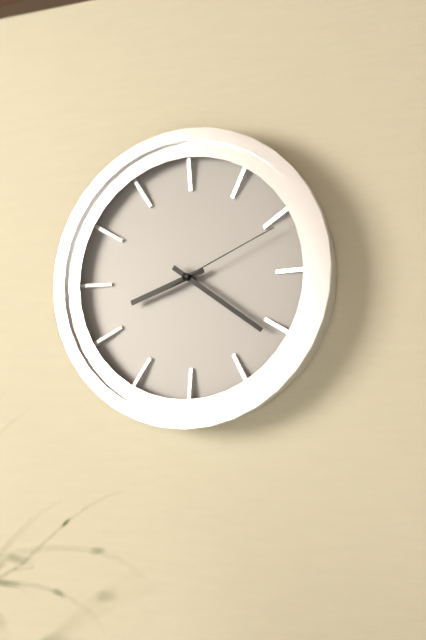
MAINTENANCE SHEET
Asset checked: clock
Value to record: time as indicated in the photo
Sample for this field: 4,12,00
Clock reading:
8,21,11
